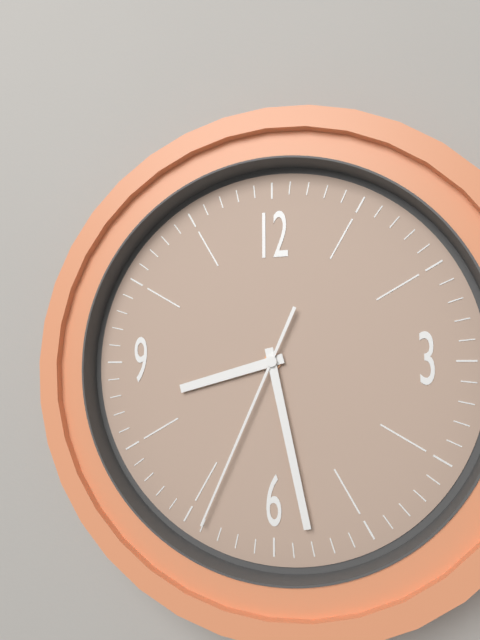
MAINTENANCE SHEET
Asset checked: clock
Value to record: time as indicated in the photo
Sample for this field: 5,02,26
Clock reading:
8,28,34
